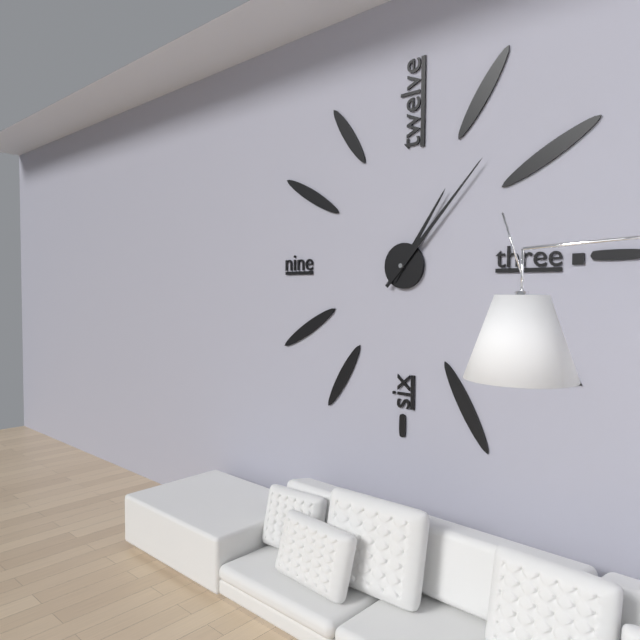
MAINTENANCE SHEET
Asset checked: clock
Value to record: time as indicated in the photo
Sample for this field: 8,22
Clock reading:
1,07
